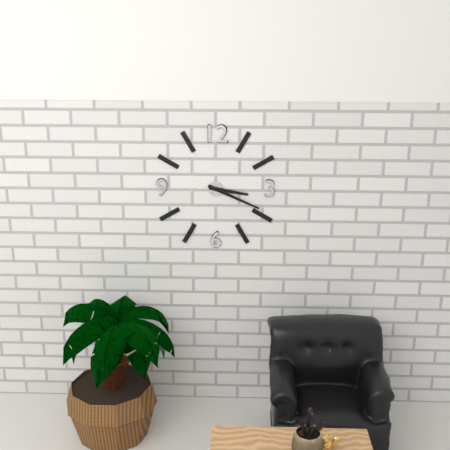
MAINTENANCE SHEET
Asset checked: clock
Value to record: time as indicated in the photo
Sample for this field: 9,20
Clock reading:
3,19
